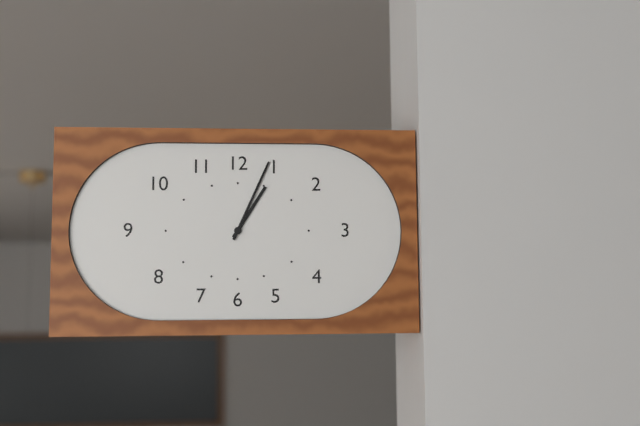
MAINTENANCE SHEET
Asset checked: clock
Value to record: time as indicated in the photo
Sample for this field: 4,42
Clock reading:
1,04
